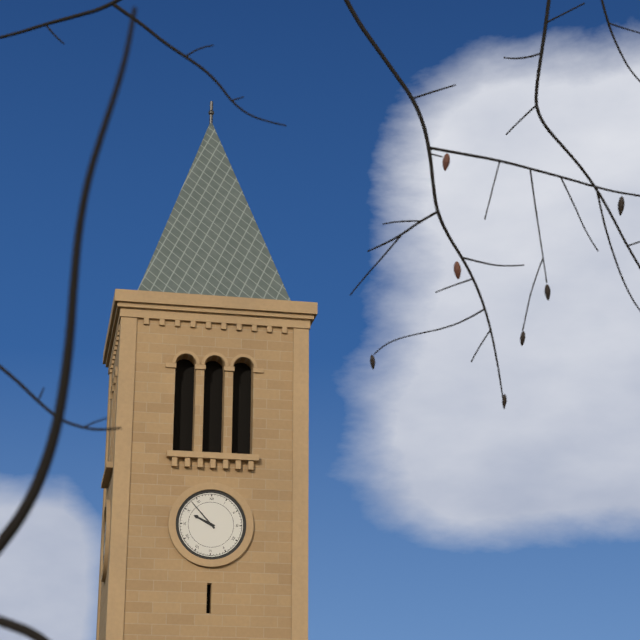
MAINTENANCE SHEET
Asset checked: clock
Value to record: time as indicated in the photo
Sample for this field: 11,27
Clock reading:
9,53
